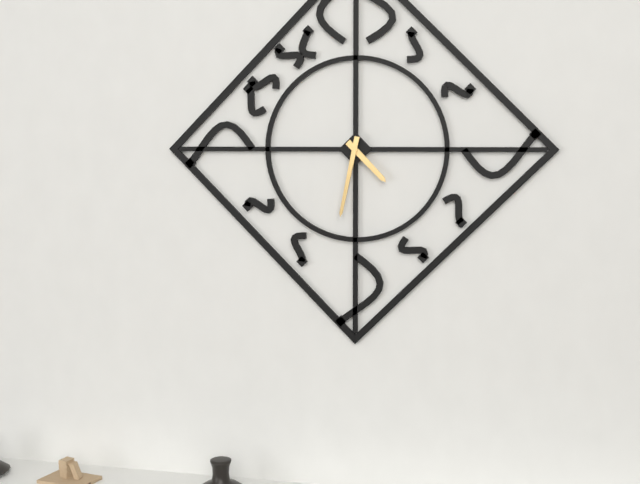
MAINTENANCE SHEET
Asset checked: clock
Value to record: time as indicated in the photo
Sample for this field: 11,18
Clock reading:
4,32
